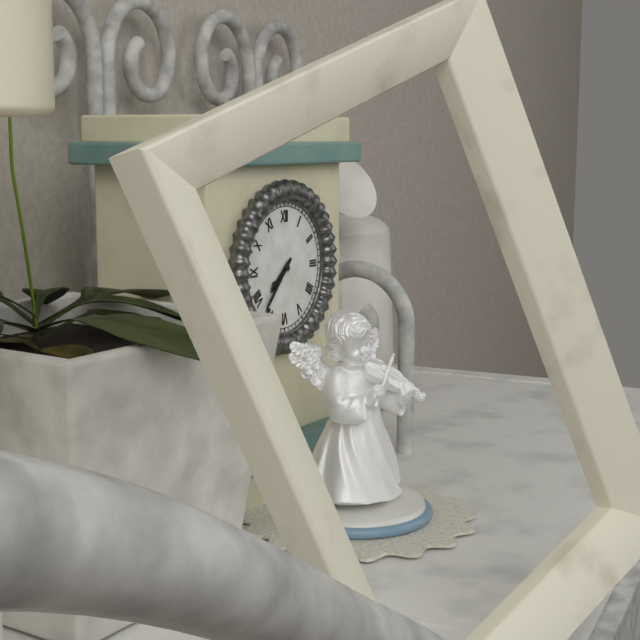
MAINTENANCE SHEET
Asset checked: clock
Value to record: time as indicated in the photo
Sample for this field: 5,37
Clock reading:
7,37
